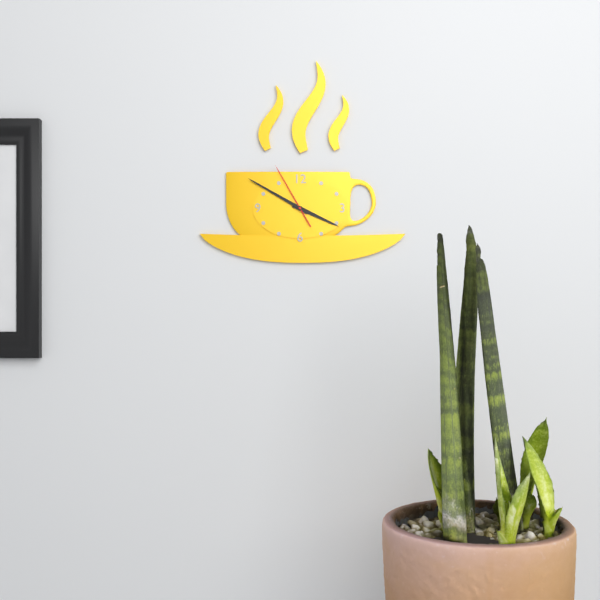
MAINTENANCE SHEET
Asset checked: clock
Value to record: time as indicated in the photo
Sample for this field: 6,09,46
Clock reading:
3,50,55
